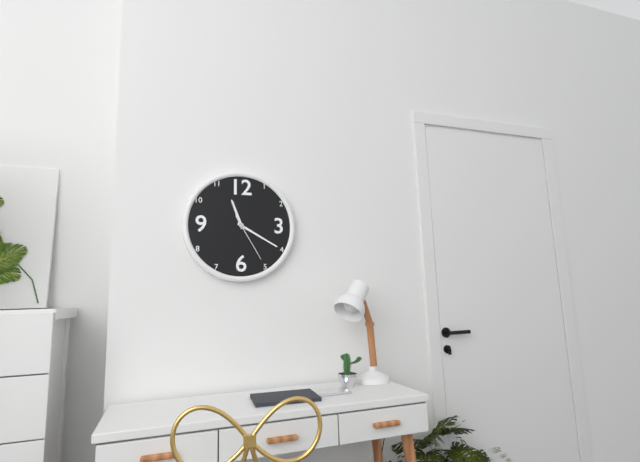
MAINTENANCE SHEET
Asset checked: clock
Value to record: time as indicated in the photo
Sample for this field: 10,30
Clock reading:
11,20
